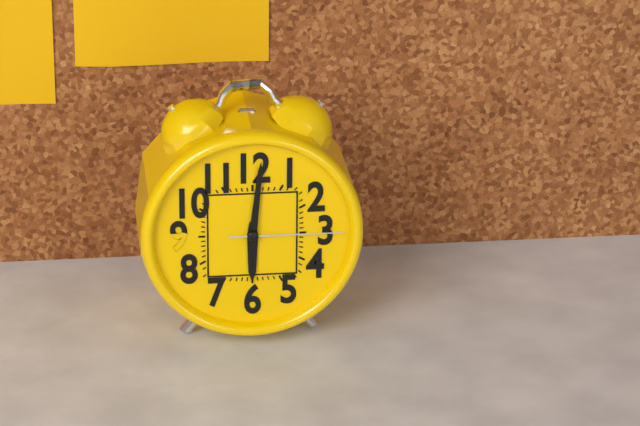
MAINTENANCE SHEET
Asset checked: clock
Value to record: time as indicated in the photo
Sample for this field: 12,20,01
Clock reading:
6,01,15
